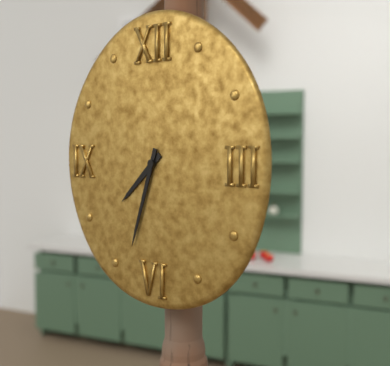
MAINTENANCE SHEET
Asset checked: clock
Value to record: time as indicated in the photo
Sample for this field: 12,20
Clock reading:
7,33
